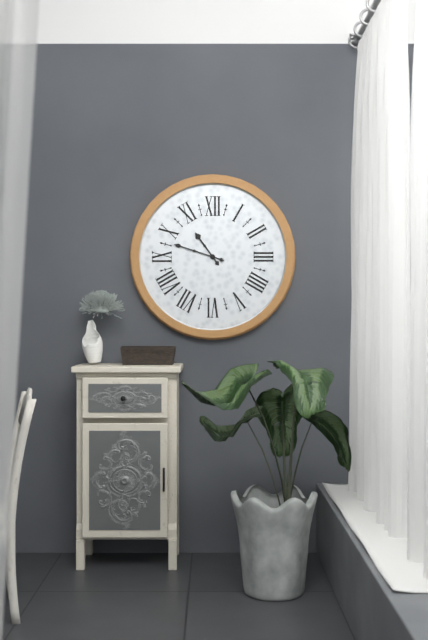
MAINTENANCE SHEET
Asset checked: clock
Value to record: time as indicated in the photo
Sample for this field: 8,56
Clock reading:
10,48
